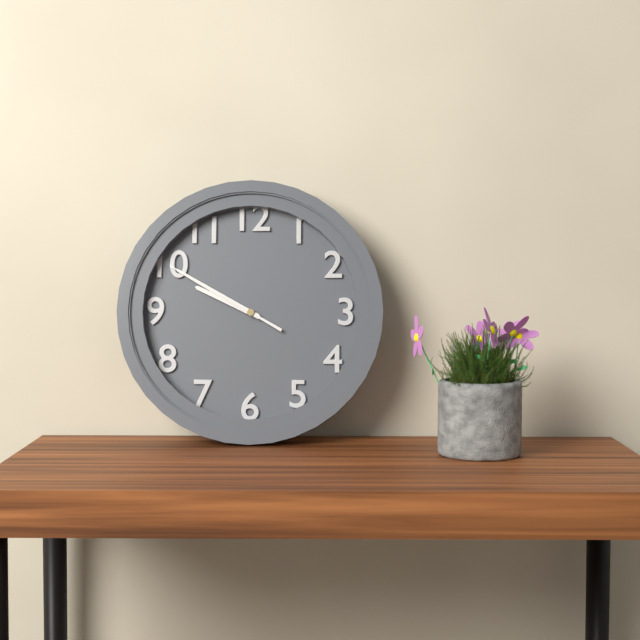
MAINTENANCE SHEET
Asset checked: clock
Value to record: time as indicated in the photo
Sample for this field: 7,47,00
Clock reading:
9,50,50
